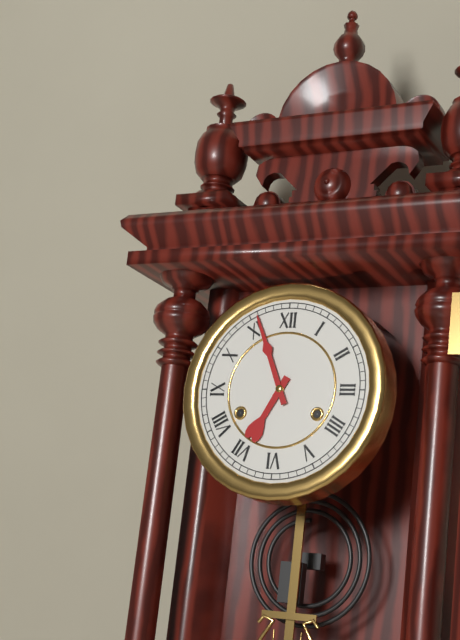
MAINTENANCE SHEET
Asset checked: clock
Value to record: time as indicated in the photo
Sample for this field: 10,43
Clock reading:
6,56
